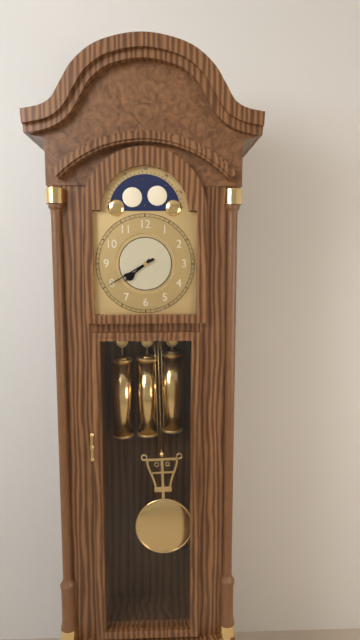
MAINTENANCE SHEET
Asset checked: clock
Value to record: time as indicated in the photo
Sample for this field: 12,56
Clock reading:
7,40
